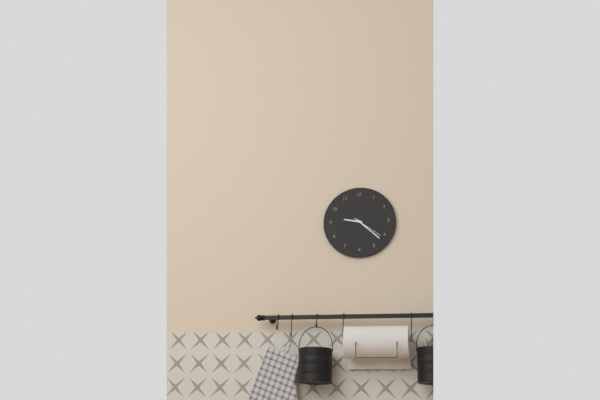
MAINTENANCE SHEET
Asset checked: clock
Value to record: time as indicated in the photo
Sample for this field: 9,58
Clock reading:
9,22
